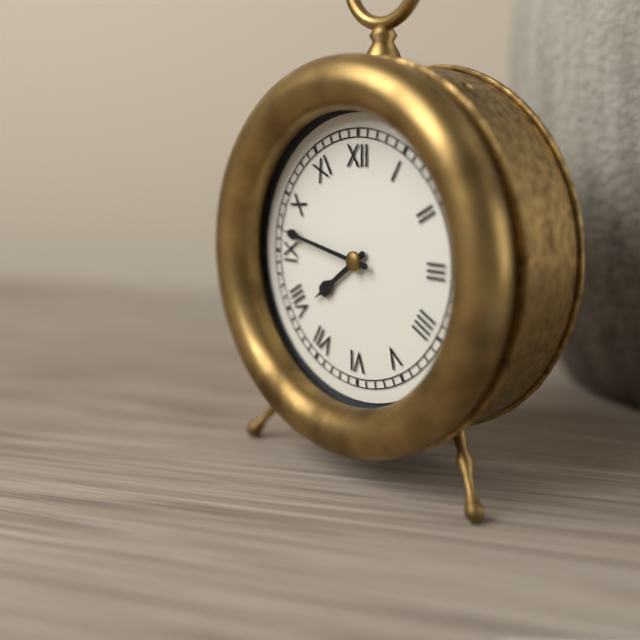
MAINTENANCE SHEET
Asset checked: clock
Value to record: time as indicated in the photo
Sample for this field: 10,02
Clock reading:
7,47
